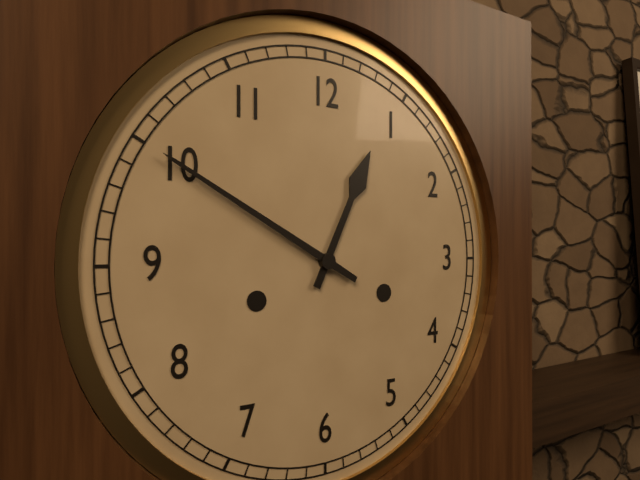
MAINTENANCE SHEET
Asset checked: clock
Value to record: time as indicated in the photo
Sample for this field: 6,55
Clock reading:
12,50
